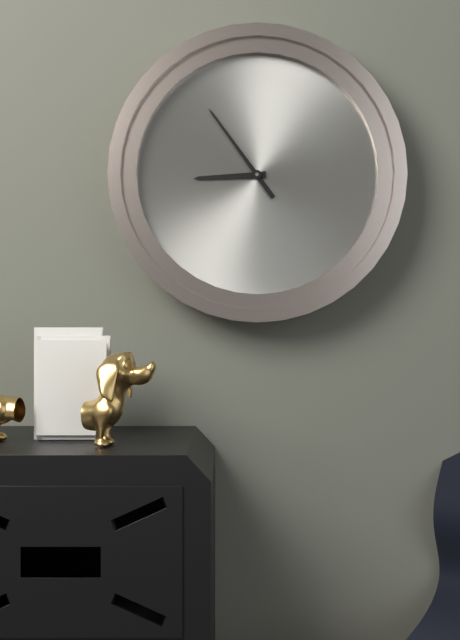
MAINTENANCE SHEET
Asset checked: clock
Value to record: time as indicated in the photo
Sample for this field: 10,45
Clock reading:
8,54
